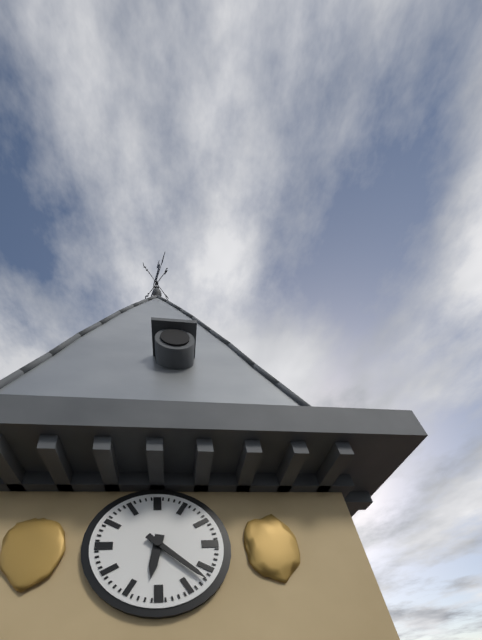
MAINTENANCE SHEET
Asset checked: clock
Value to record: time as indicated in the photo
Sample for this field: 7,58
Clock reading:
6,22
